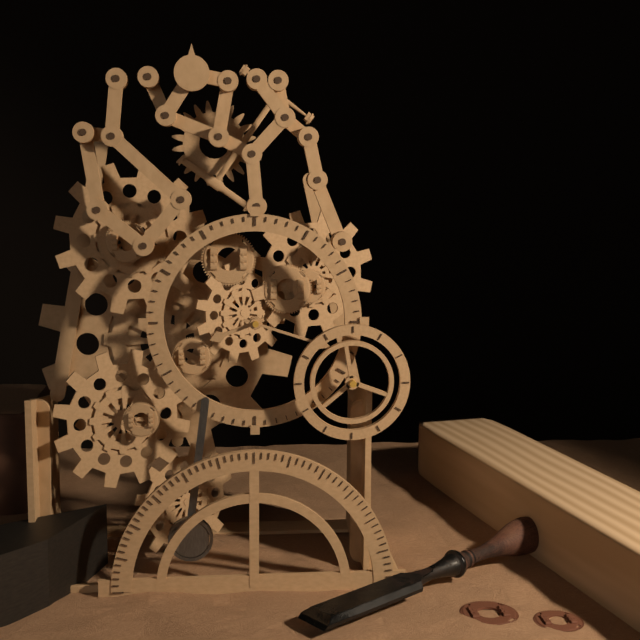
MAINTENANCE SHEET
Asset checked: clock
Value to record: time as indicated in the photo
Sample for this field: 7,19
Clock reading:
8,18
